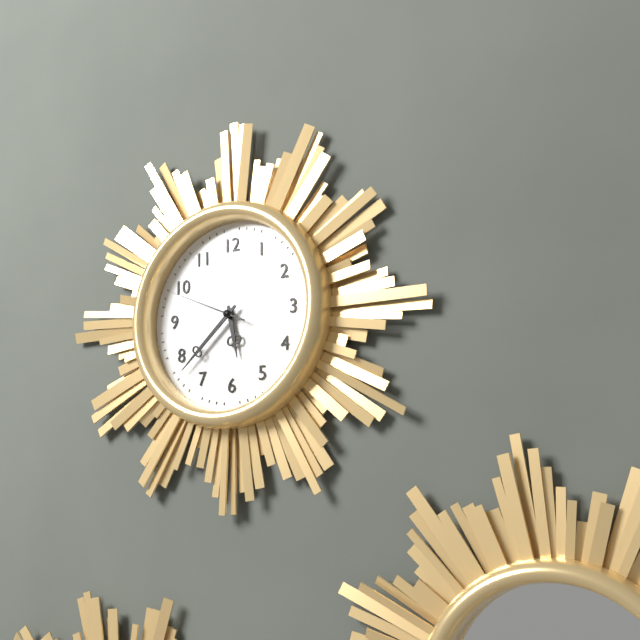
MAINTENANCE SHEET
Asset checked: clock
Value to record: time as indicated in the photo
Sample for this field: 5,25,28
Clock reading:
5,38,49
